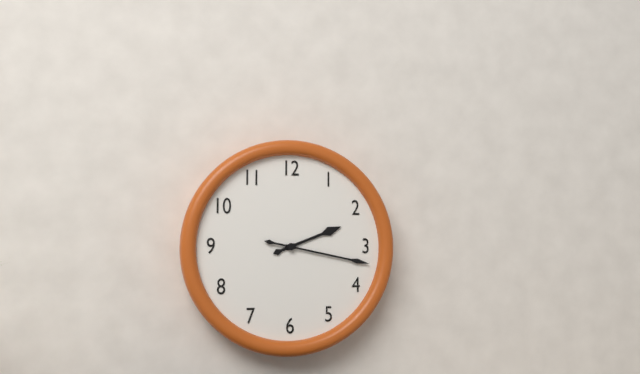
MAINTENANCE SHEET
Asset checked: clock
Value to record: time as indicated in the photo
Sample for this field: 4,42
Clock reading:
2,17
